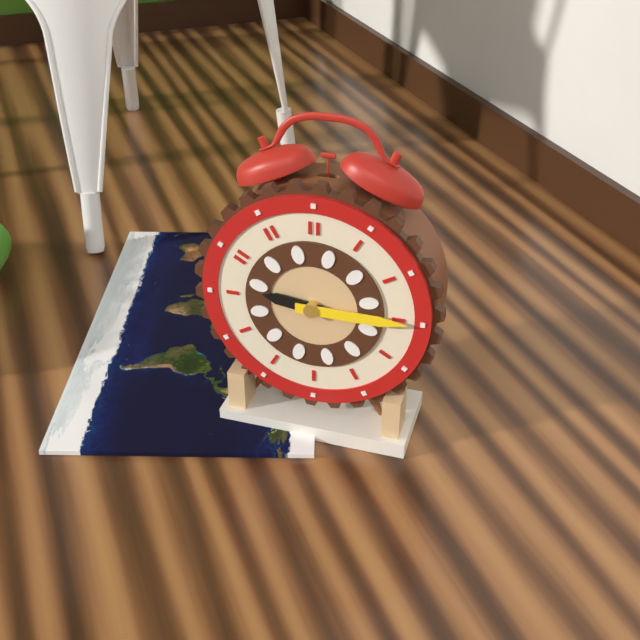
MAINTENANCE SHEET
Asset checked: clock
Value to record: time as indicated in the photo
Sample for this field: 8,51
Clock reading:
9,15
